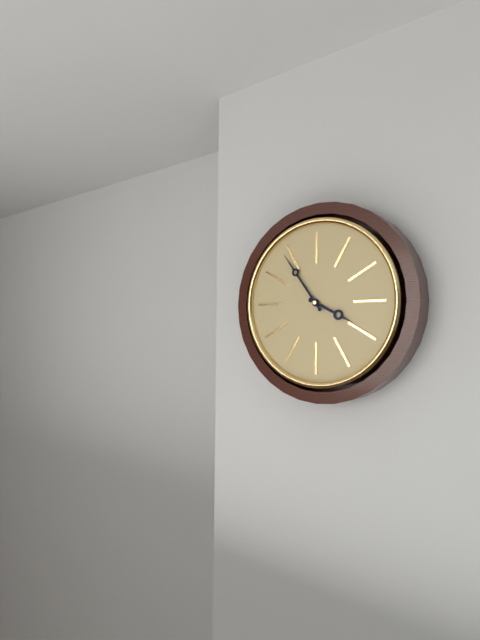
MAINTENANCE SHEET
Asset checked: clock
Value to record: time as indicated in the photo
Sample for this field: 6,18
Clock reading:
3,54
